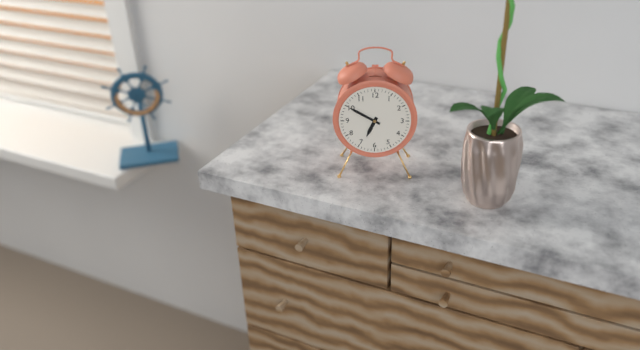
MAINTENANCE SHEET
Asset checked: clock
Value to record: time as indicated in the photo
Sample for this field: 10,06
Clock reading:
6,50
